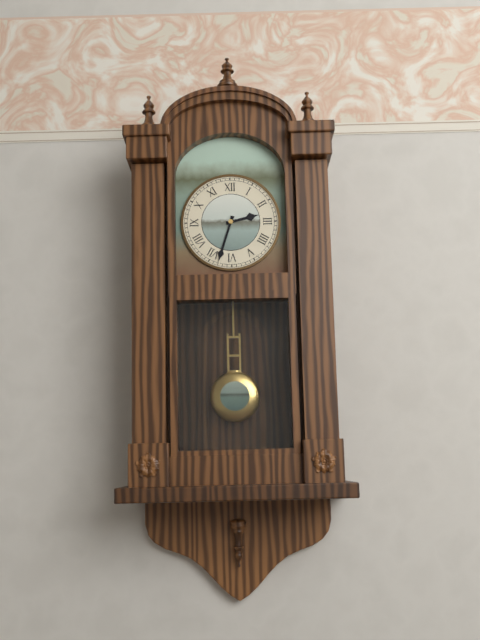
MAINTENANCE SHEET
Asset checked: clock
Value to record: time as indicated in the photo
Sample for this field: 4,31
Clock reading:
2,33
